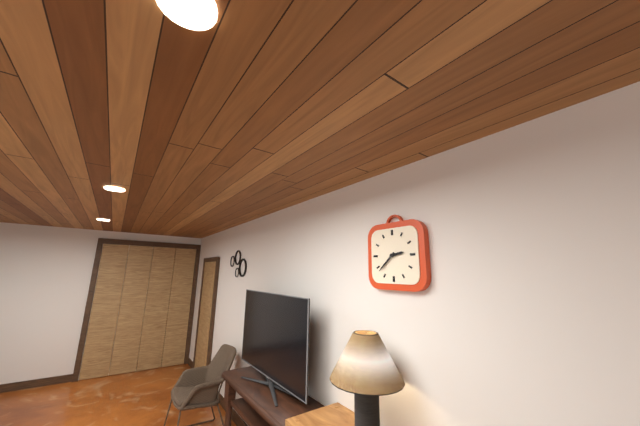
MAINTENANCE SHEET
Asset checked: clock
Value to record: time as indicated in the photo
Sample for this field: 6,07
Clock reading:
2,38
